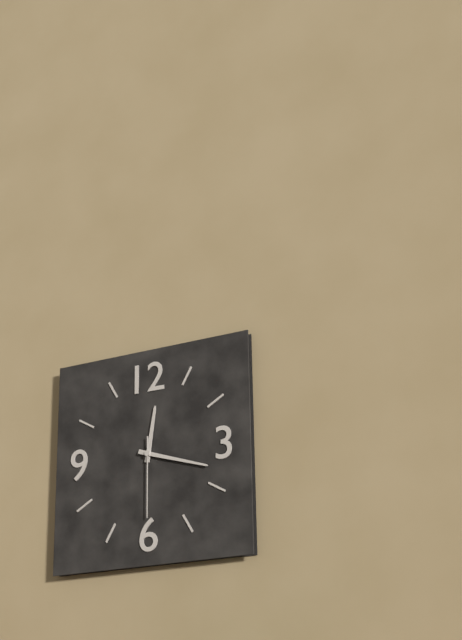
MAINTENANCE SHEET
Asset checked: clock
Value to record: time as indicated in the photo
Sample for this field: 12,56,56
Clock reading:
12,18,30
